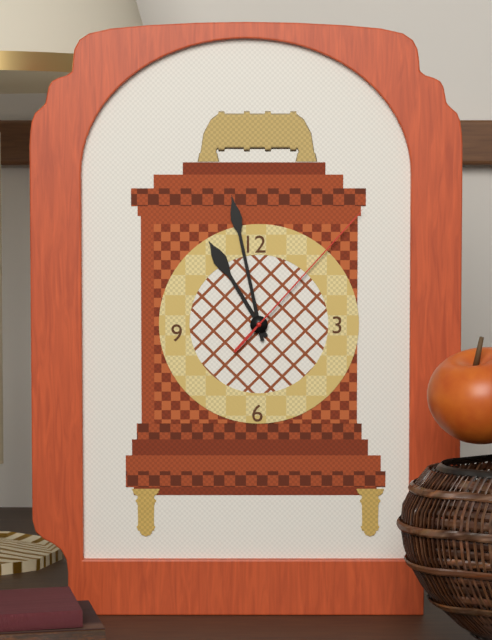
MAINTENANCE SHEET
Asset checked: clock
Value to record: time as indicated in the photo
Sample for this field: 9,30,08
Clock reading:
10,58,07
